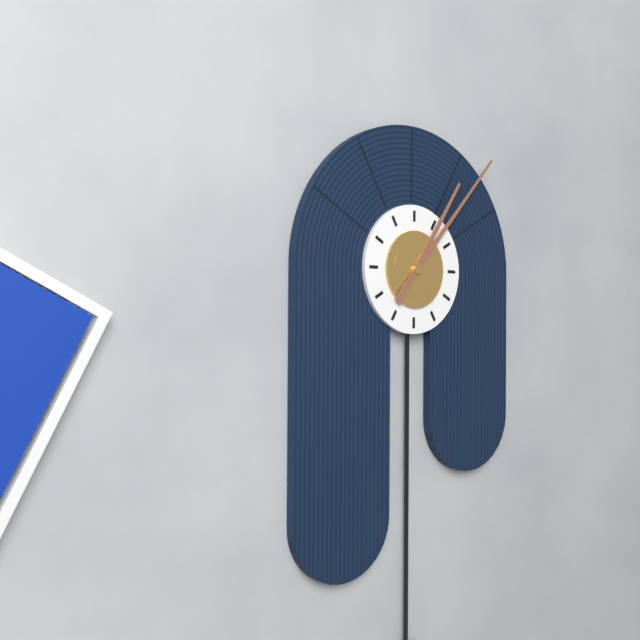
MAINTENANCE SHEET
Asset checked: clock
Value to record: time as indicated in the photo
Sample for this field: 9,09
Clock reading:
1,07
